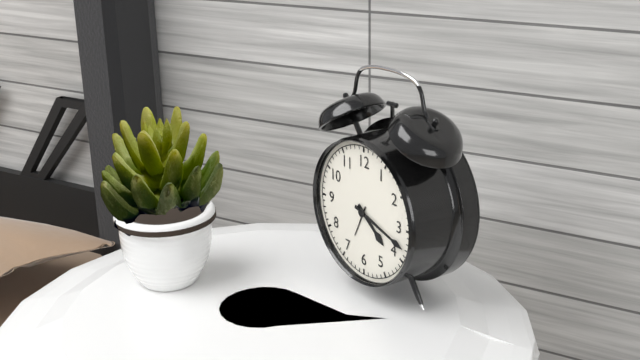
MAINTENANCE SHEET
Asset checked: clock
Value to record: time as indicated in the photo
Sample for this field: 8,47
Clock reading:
4,18
